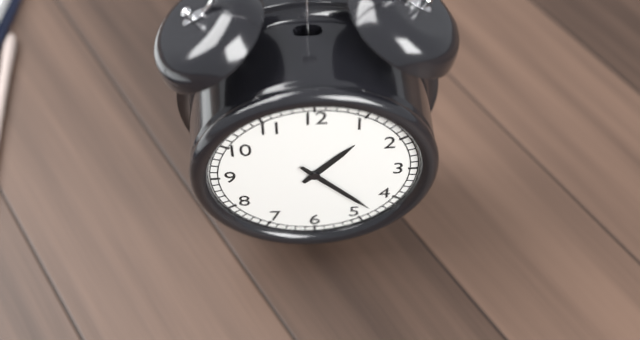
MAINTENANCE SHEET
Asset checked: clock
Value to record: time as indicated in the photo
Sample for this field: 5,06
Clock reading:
1,23
